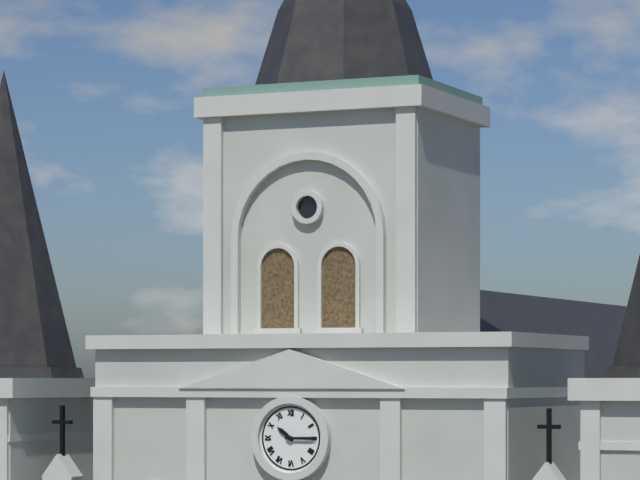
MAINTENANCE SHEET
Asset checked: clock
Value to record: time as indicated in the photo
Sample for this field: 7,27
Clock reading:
10,15
